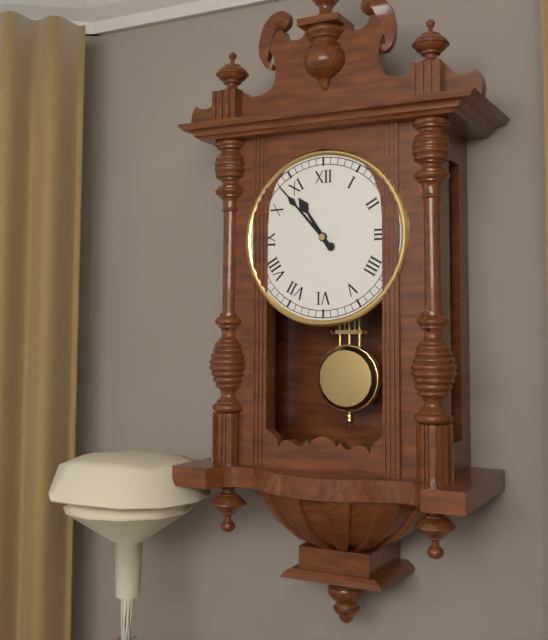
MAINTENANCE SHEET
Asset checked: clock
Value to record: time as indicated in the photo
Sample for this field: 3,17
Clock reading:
10,53
